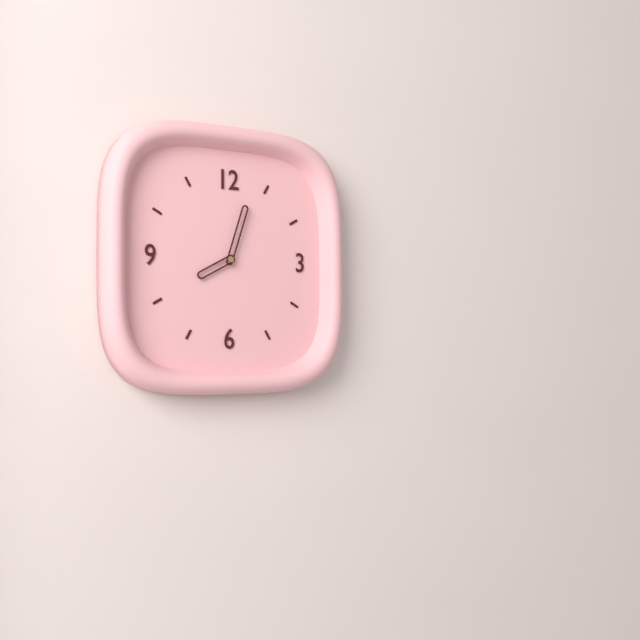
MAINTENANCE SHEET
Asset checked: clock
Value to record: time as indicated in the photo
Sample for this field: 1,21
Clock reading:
8,03
